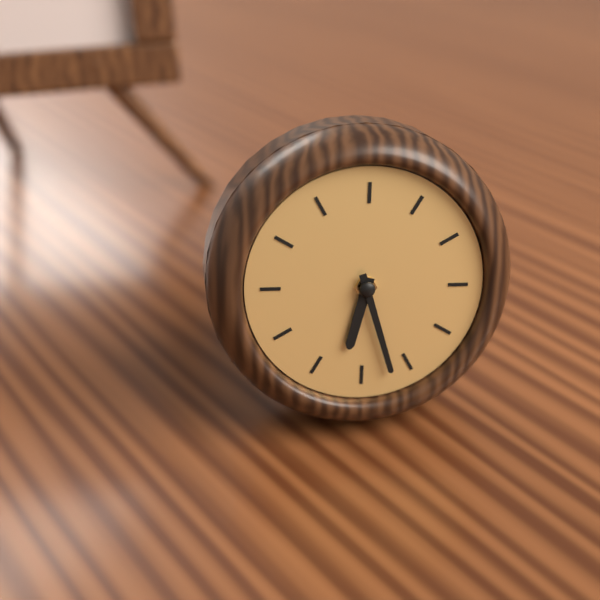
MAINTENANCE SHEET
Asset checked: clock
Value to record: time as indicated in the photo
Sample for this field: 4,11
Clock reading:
6,27
